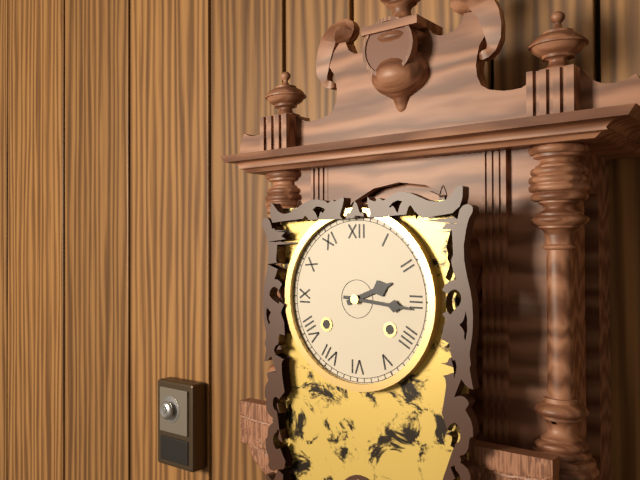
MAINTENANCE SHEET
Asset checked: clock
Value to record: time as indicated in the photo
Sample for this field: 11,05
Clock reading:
2,16
